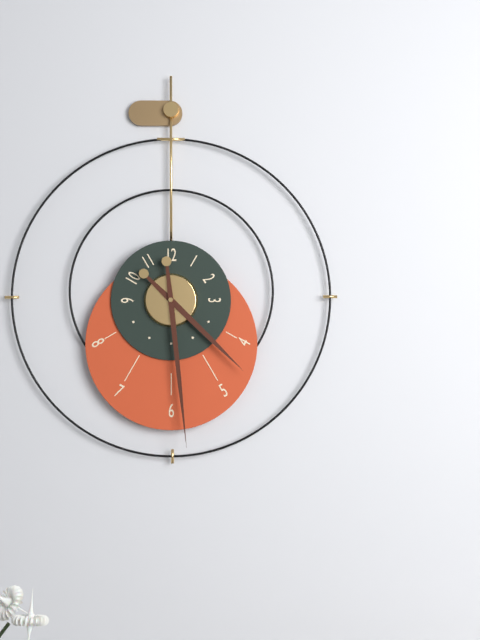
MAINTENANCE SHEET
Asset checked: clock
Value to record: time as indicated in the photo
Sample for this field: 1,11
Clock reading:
4,29
